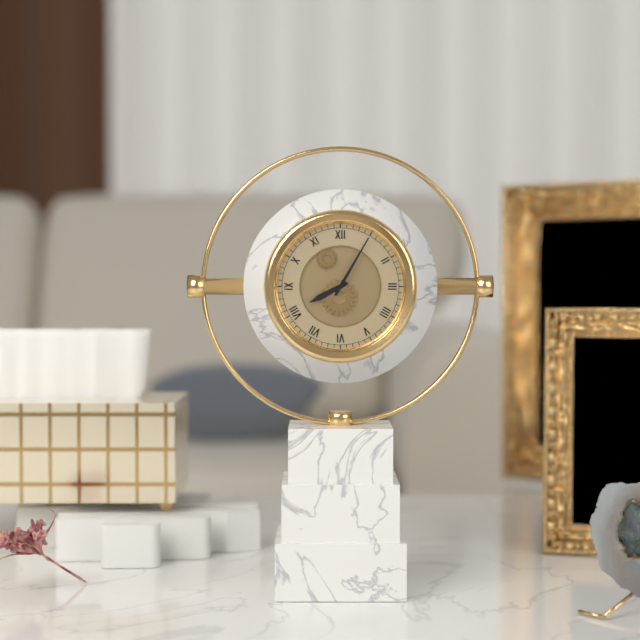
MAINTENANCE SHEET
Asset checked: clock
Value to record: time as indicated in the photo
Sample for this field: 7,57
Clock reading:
8,05
